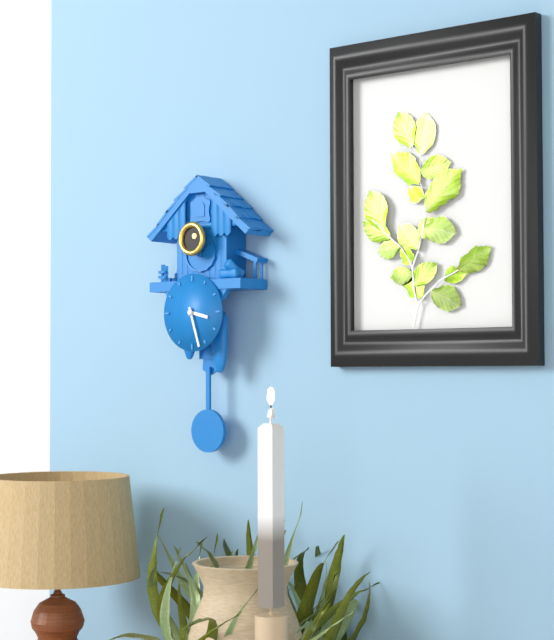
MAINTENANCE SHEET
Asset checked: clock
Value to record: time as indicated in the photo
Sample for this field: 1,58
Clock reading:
3,27
